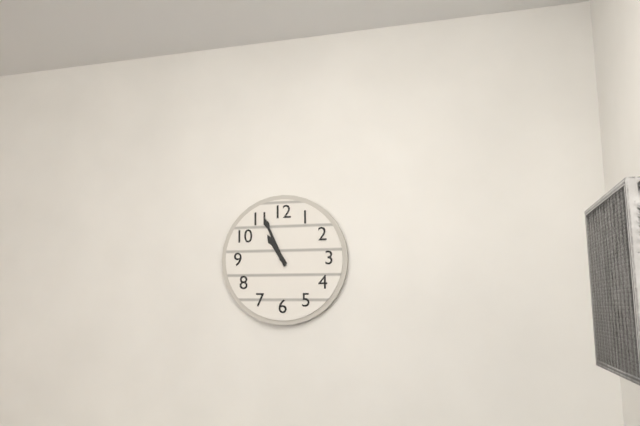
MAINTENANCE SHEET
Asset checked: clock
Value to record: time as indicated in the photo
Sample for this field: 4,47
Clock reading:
10,56
